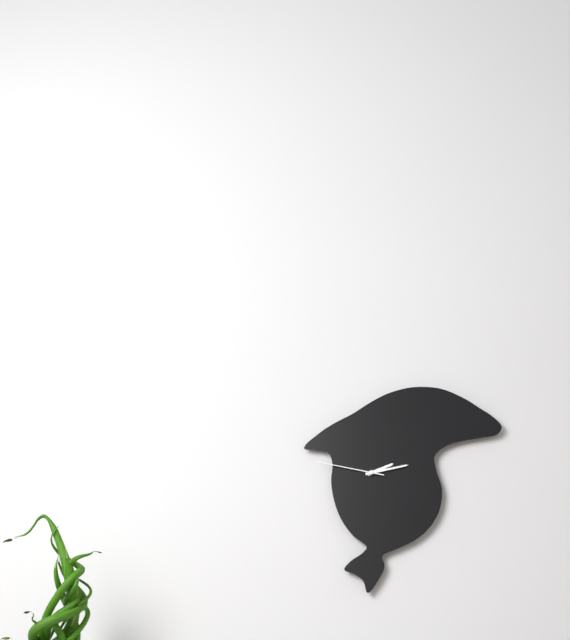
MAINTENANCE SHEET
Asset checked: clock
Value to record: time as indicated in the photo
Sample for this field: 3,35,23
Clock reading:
2,13,47
